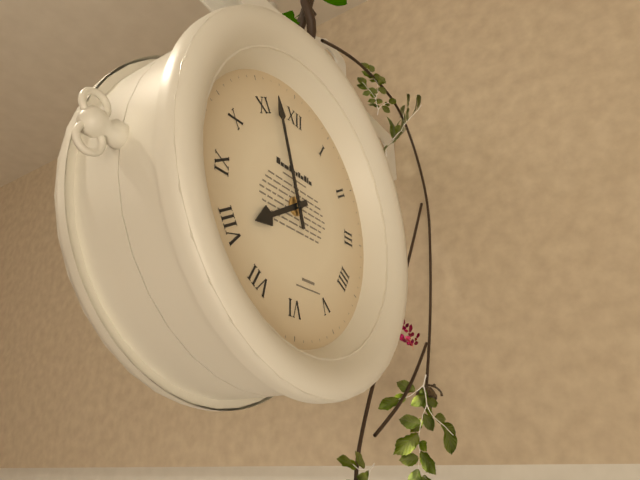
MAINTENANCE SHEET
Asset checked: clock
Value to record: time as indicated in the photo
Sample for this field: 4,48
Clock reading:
7,57
